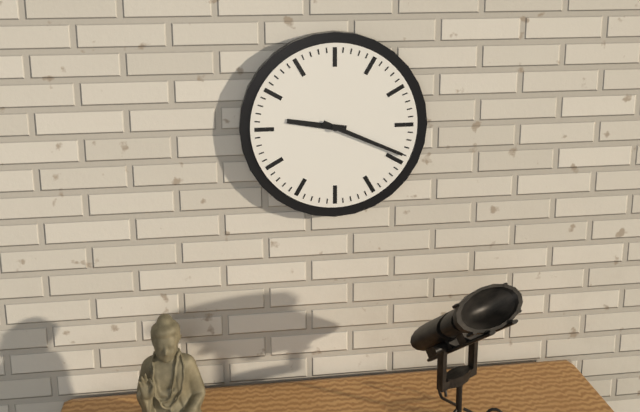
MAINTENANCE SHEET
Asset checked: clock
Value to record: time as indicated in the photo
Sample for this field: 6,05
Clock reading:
9,19
